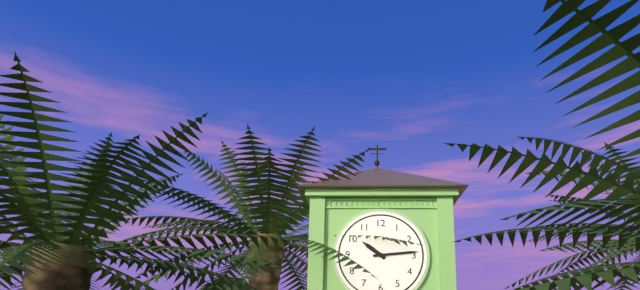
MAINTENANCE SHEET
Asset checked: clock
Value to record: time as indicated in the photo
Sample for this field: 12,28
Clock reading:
10,14
